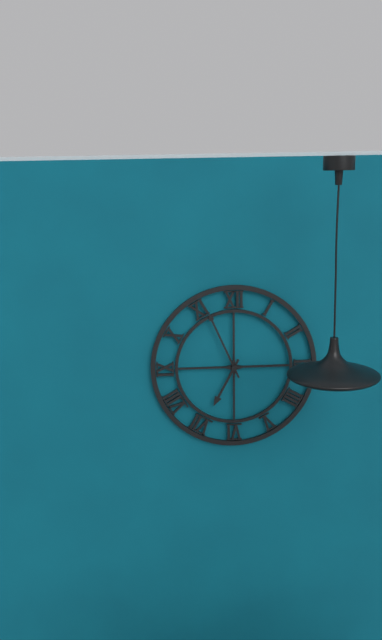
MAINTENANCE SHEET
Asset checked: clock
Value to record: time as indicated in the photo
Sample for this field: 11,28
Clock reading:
6,56
